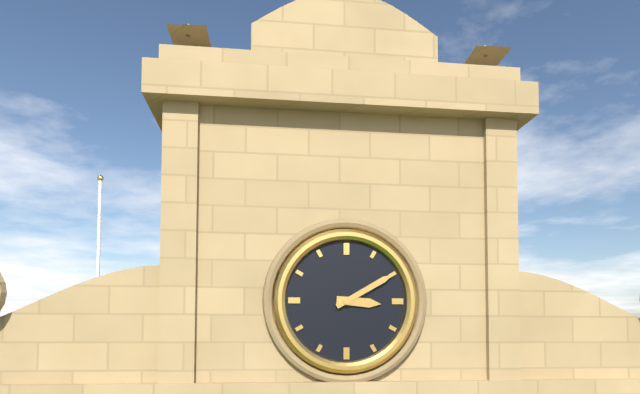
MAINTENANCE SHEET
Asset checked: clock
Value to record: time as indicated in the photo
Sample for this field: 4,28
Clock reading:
3,10
